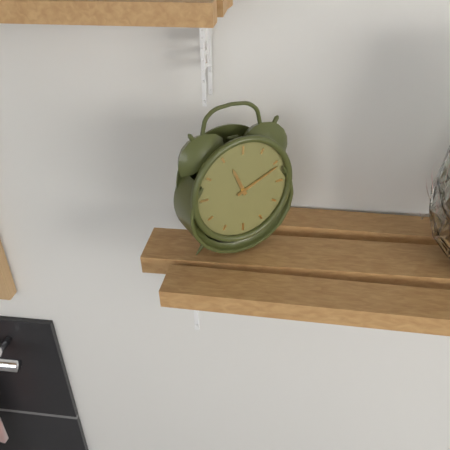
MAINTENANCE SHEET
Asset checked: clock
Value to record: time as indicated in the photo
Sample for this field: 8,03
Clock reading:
11,11
